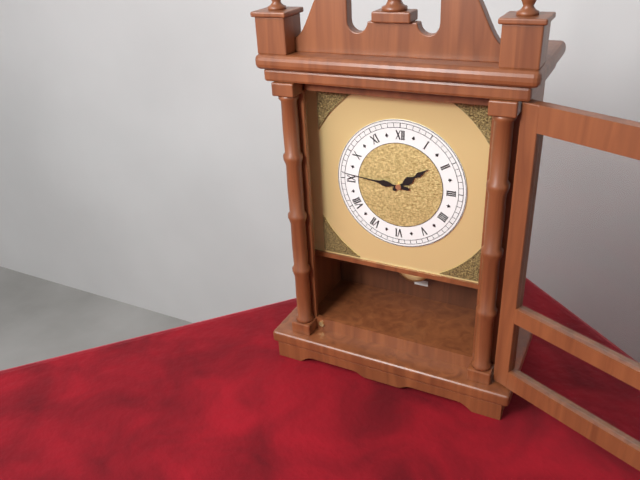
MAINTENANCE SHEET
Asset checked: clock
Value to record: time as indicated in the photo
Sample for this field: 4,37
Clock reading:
1,46
